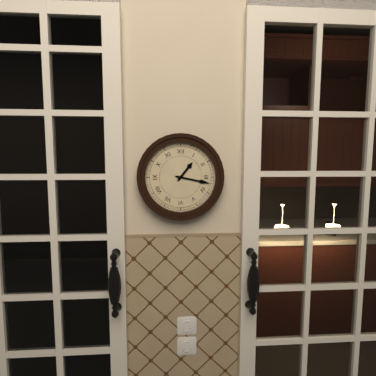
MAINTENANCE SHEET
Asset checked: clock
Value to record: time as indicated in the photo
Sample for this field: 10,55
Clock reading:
1,17
